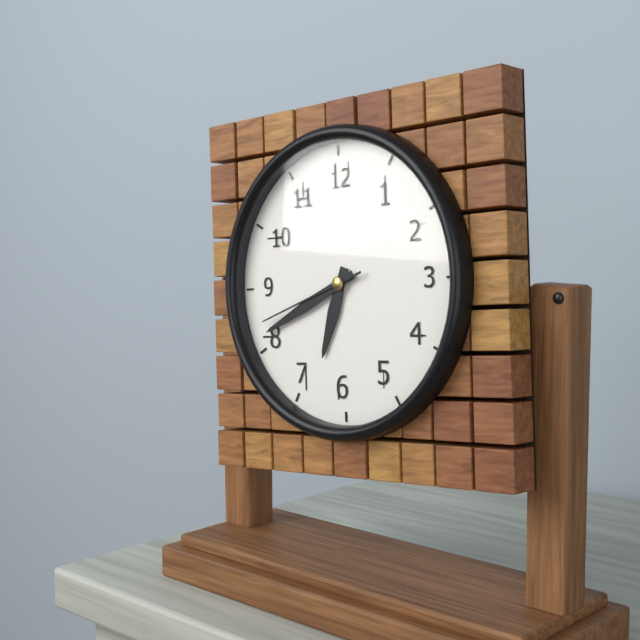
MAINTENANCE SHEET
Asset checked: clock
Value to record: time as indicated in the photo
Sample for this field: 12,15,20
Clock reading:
6,41,42
